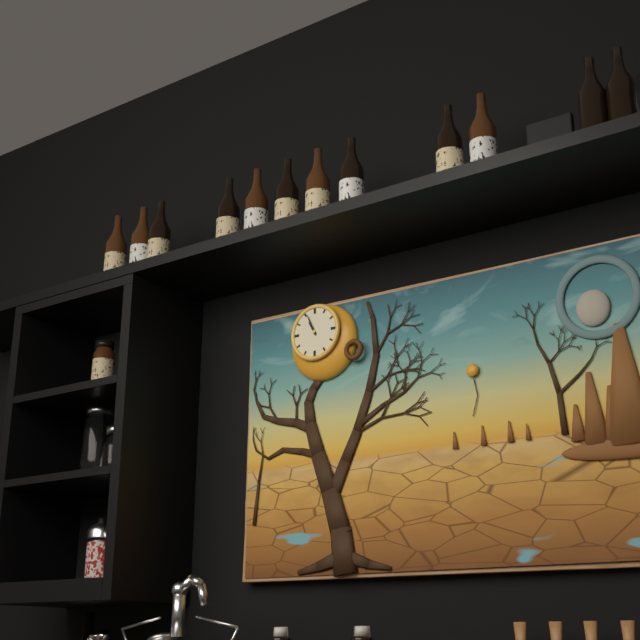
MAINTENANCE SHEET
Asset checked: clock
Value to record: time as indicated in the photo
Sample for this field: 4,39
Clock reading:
10,56
